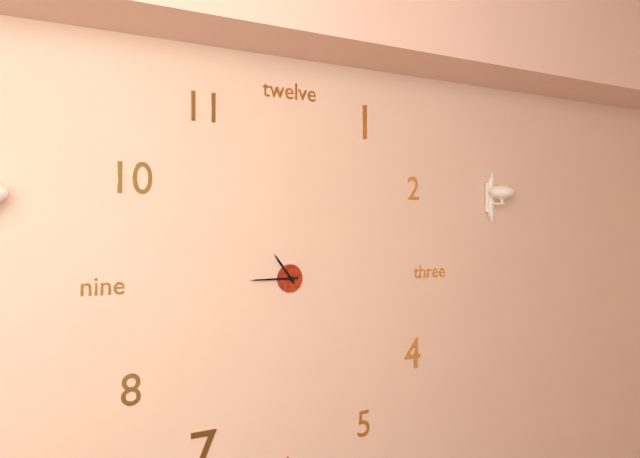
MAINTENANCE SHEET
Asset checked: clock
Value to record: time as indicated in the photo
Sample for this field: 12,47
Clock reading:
10,45
